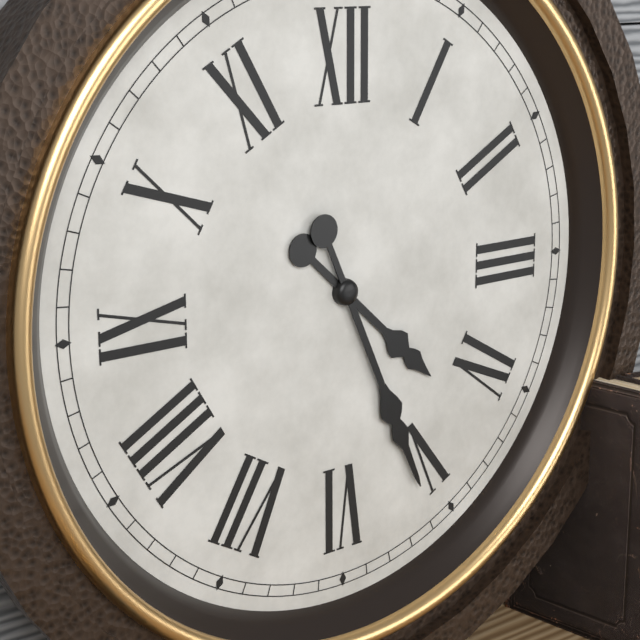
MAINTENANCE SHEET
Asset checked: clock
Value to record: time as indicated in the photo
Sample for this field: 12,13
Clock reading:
4,26
